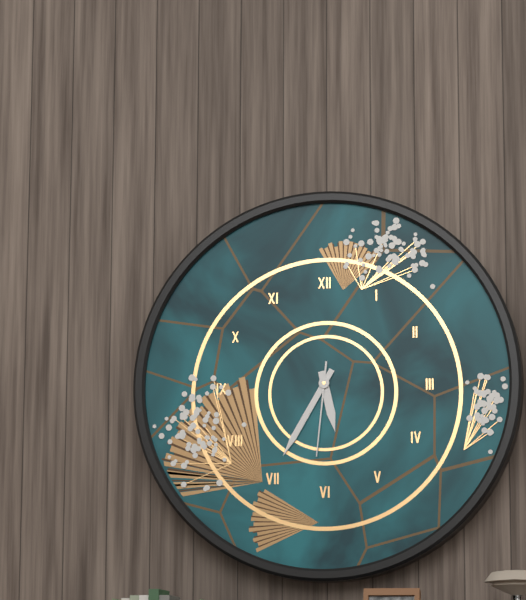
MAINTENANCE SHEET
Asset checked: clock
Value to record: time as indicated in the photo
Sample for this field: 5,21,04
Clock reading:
5,35,31
